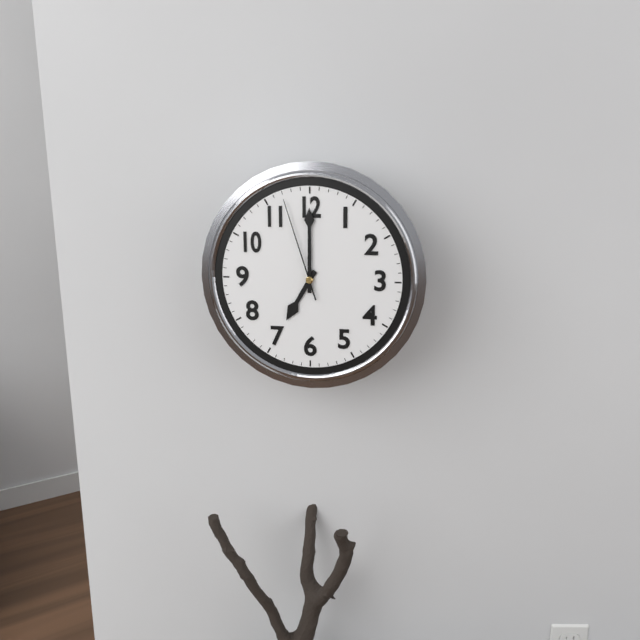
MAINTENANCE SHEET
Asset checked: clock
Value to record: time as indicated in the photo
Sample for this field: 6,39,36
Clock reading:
7,00,57
